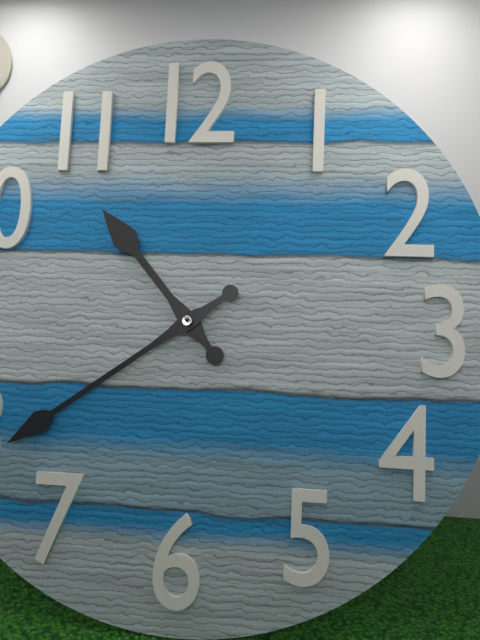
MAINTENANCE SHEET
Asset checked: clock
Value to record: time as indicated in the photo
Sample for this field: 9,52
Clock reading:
10,39
